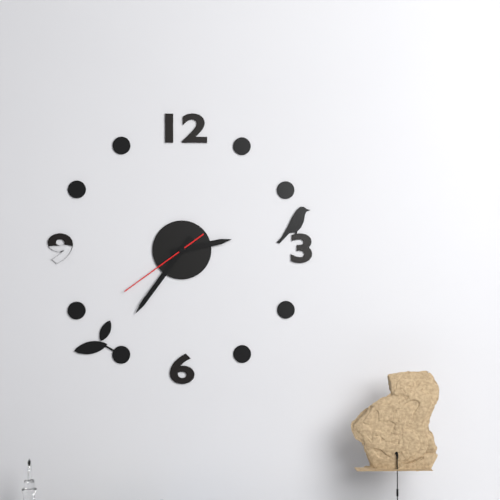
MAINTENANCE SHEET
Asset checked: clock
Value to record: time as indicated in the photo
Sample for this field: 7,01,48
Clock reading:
2,36,39
